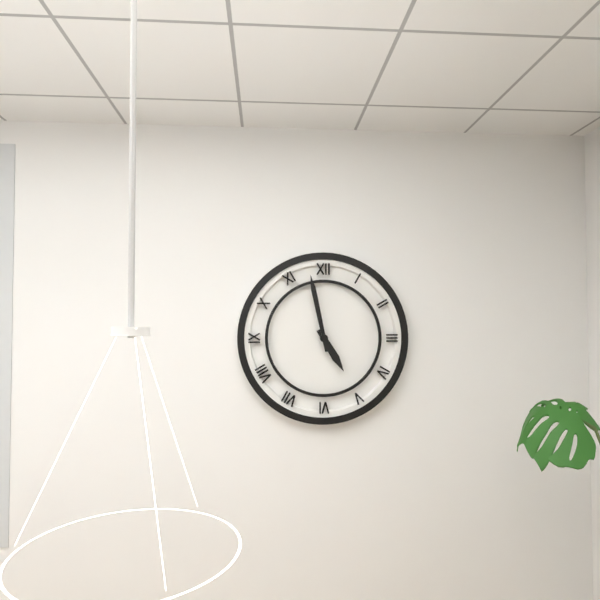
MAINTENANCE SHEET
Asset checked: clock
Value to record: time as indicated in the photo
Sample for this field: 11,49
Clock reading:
4,58
